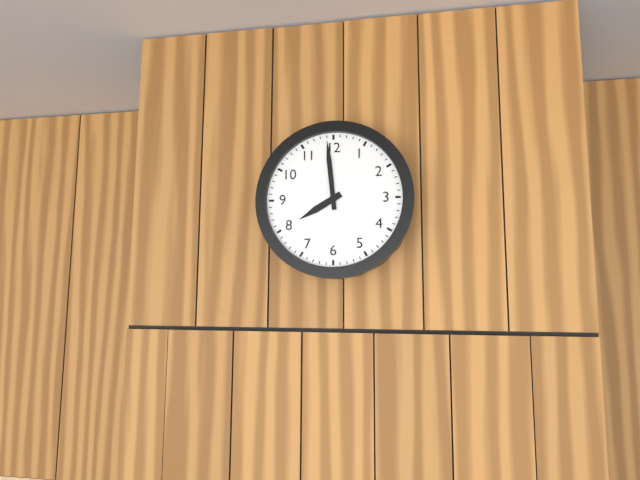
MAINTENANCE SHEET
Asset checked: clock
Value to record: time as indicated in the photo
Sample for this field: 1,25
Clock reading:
7,59
